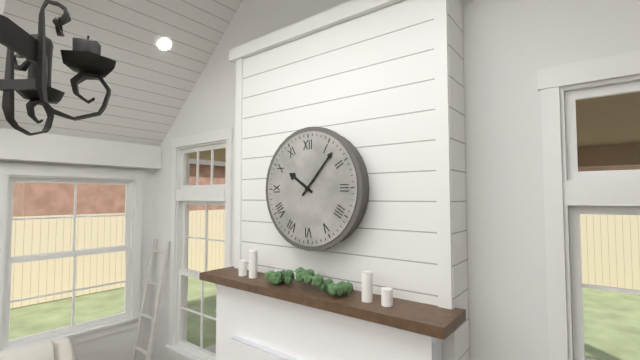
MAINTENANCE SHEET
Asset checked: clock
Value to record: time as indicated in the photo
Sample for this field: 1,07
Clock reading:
10,07
